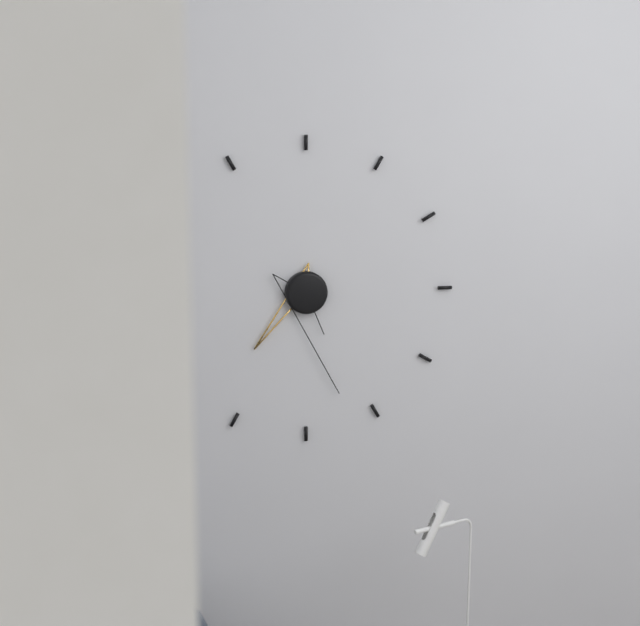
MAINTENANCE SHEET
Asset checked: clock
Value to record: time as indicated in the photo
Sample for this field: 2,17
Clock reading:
7,27
